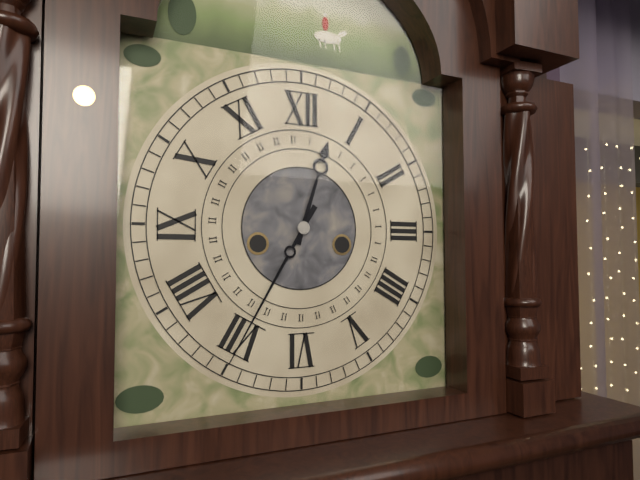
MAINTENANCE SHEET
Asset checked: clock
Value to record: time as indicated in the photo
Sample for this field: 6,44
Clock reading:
12,35
